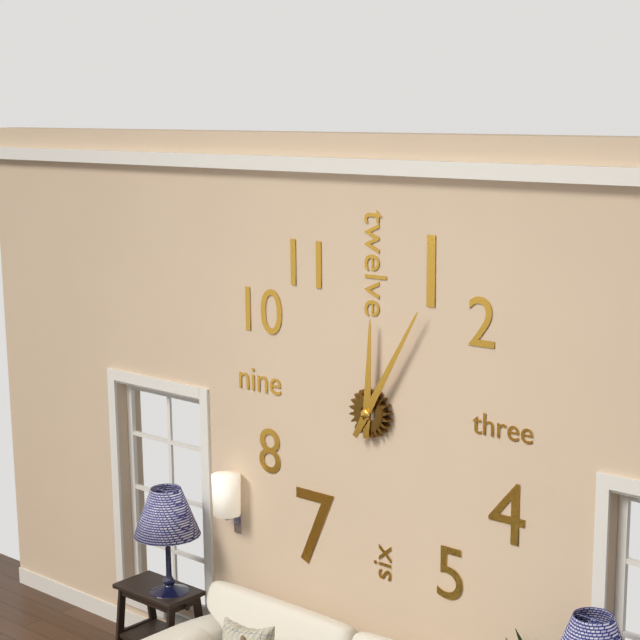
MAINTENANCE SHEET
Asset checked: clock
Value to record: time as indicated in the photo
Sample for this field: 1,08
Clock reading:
12,05
